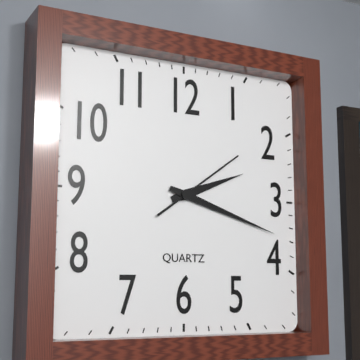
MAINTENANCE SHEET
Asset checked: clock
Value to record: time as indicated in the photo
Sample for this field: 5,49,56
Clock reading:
2,18,09
